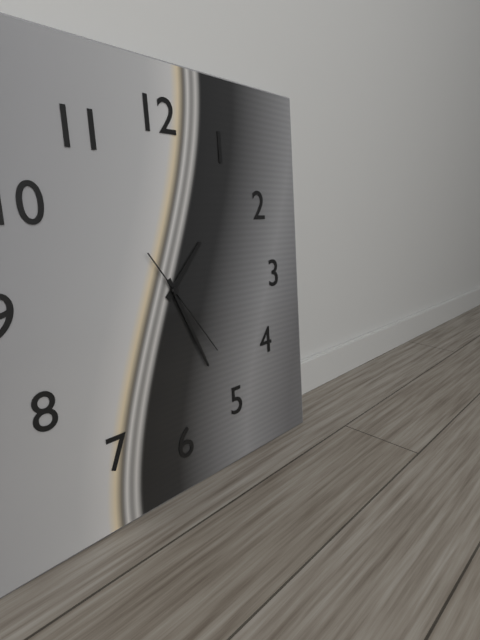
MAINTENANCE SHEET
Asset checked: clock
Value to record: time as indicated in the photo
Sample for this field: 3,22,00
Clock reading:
1,26,24
